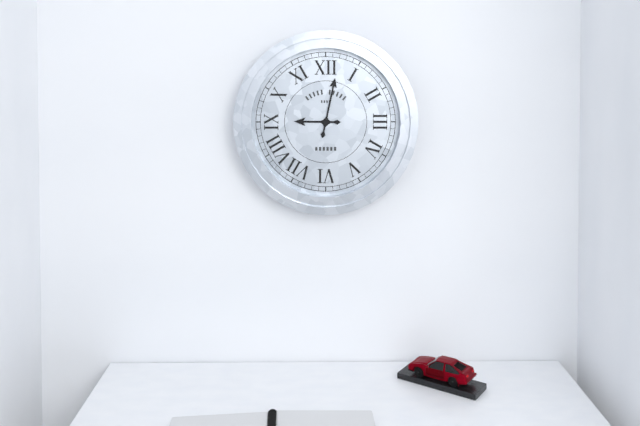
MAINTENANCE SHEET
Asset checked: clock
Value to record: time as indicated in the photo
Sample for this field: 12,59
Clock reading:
9,02
